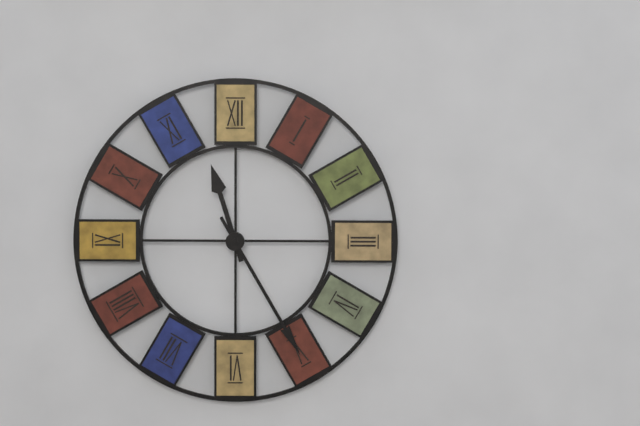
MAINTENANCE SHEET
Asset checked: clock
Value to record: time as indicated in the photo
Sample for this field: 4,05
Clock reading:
11,25
